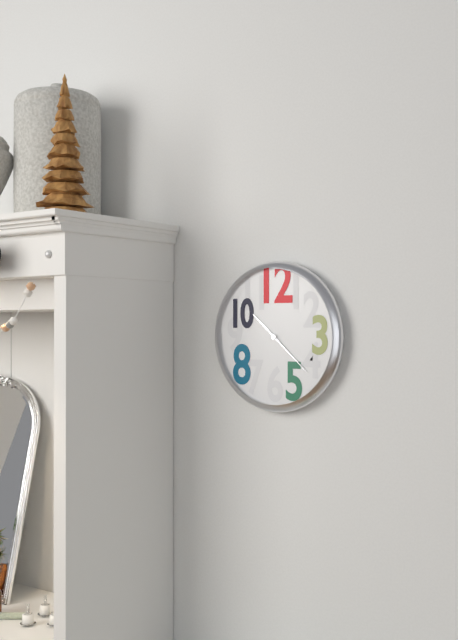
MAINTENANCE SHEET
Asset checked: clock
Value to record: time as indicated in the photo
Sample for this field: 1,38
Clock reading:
10,22
